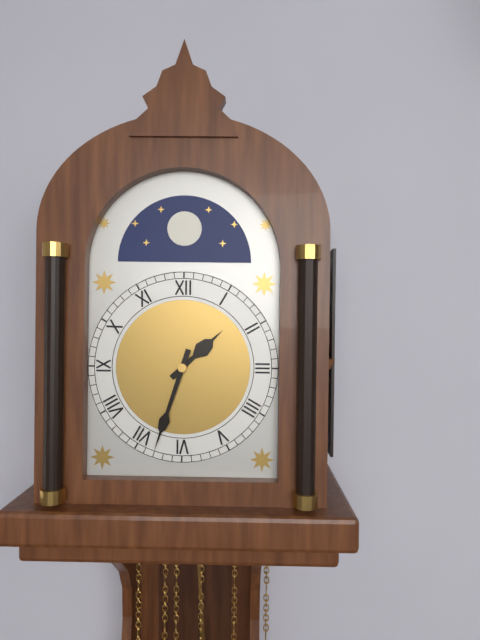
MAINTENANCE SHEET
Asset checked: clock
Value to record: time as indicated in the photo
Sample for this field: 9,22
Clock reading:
1,33
